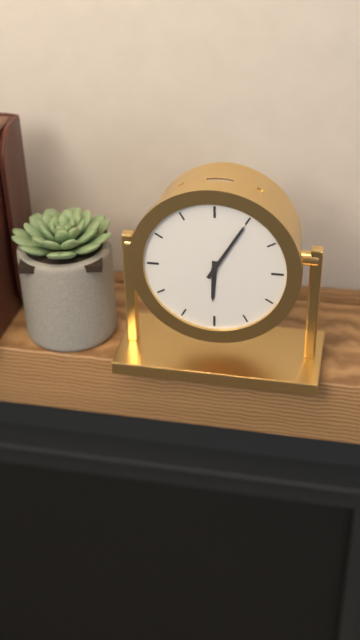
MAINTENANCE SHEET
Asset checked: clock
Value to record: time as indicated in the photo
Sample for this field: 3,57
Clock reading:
6,05
